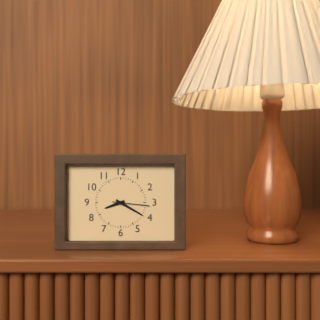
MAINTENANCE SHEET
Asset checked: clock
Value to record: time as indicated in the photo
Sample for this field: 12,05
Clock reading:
8,20
